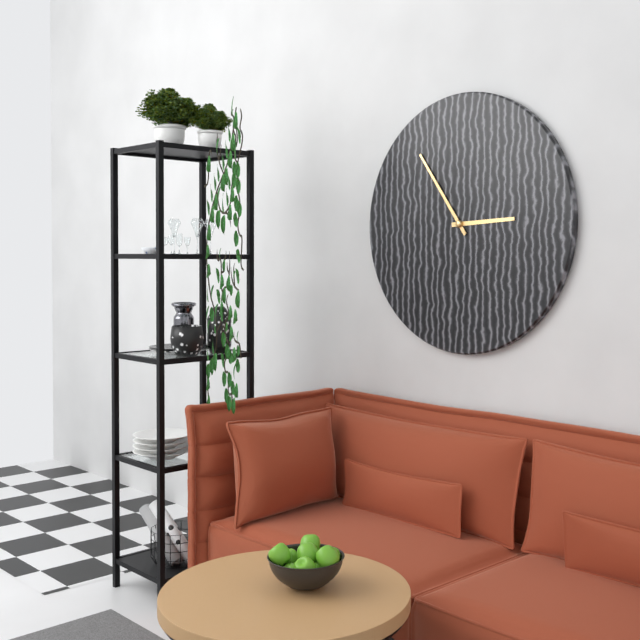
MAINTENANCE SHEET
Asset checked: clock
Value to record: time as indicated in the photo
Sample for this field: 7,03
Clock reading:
2,54
